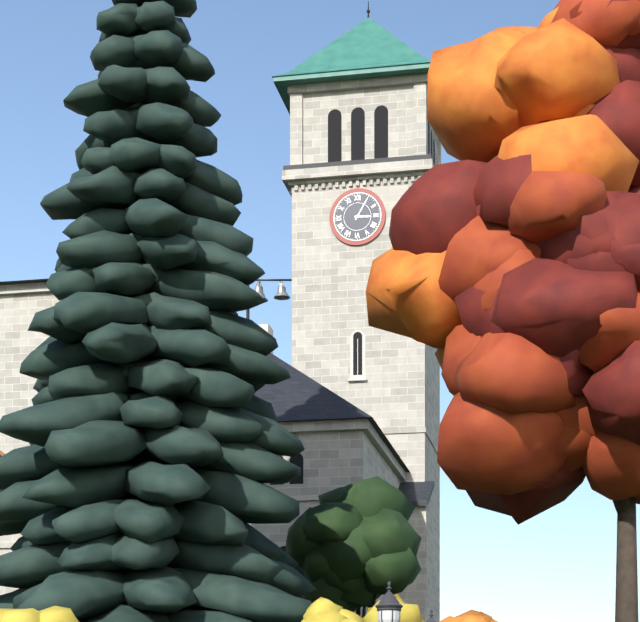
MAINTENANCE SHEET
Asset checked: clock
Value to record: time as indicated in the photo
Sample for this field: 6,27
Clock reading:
3,05
